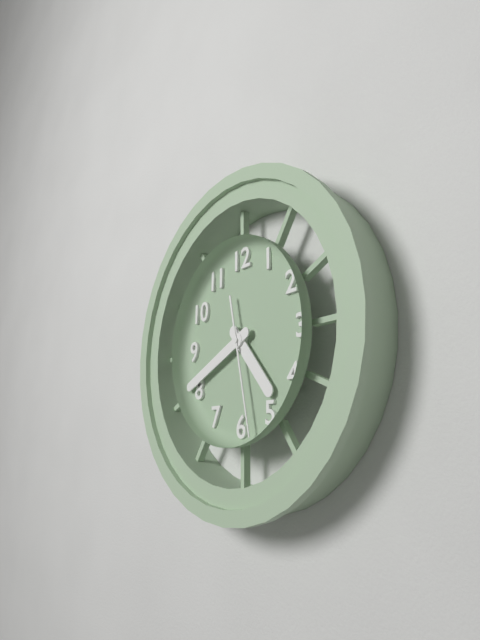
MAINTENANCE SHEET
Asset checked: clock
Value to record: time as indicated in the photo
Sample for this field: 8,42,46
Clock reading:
4,41,28
